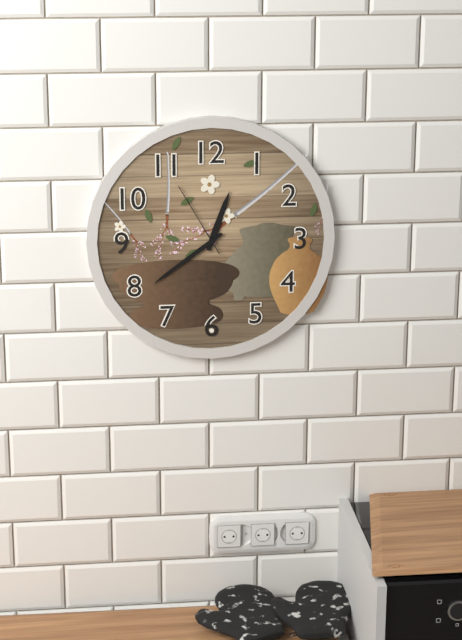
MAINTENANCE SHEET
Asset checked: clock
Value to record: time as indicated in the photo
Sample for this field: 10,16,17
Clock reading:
12,39,55
